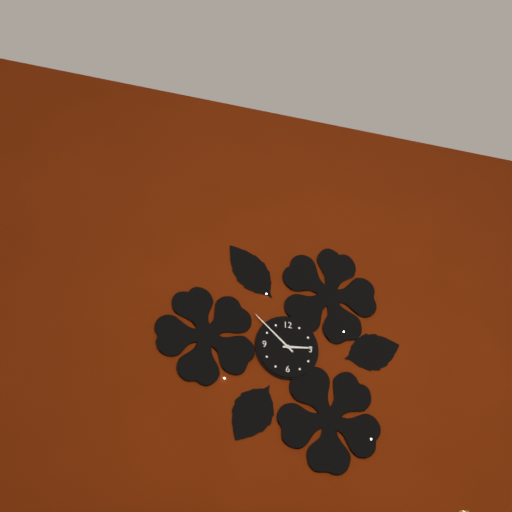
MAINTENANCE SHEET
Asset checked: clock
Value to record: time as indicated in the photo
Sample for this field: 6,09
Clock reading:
2,52
